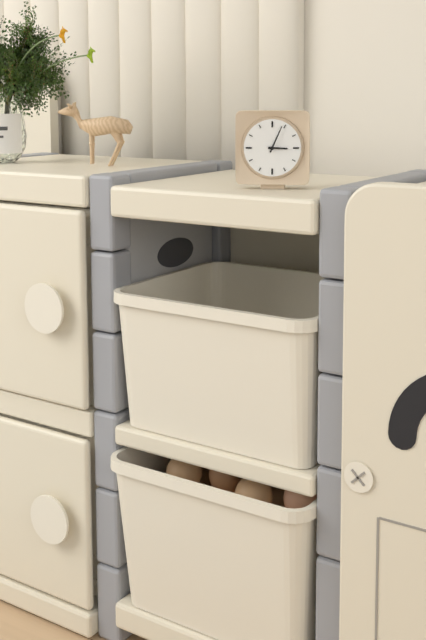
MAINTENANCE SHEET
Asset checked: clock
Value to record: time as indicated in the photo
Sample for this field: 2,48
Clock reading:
3,04
